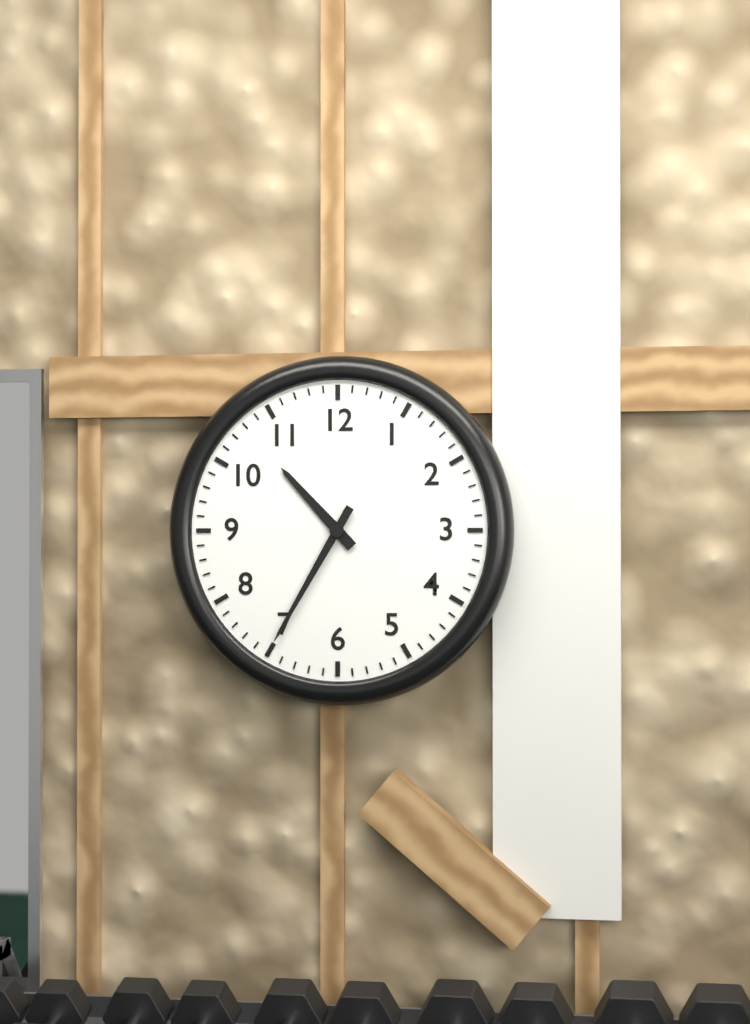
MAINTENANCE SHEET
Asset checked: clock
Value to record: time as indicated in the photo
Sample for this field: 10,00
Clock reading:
10,35
